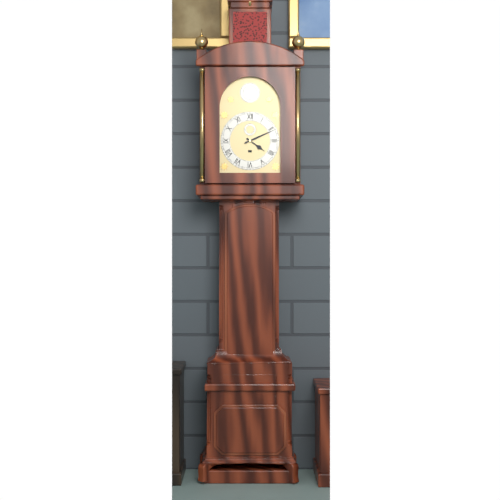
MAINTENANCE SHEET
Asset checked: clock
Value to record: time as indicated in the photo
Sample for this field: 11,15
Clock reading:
4,11
